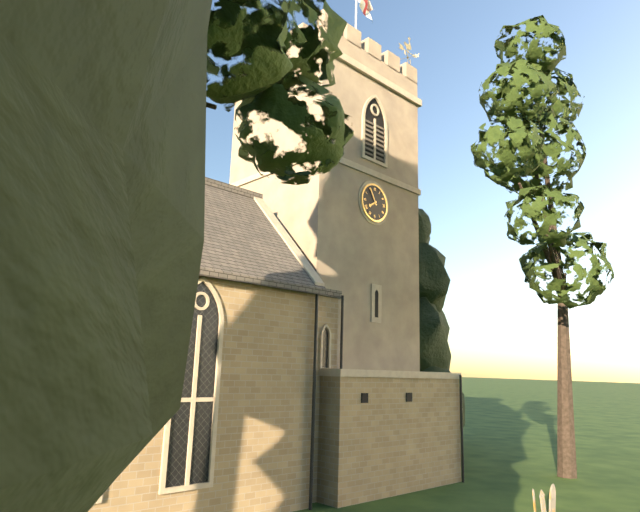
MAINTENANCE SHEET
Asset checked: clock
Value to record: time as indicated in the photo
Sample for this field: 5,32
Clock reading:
7,55
